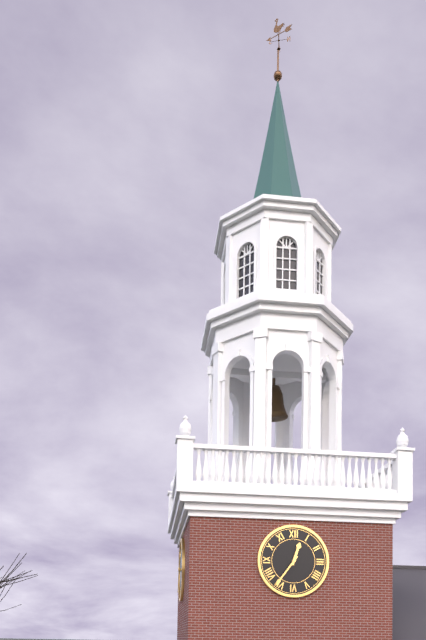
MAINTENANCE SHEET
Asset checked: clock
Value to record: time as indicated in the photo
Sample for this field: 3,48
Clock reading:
12,36
